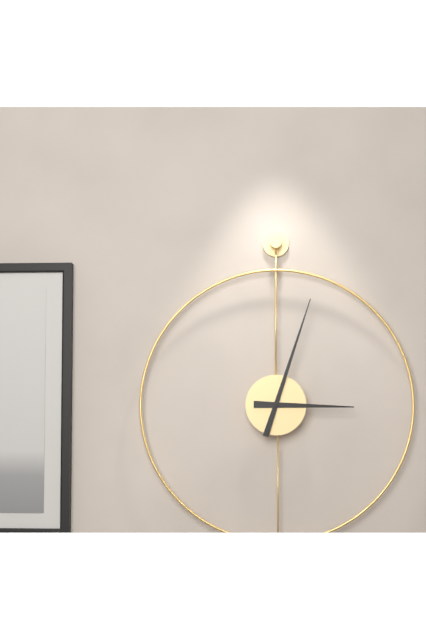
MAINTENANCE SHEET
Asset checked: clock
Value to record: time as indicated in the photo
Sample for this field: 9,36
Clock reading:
3,03
